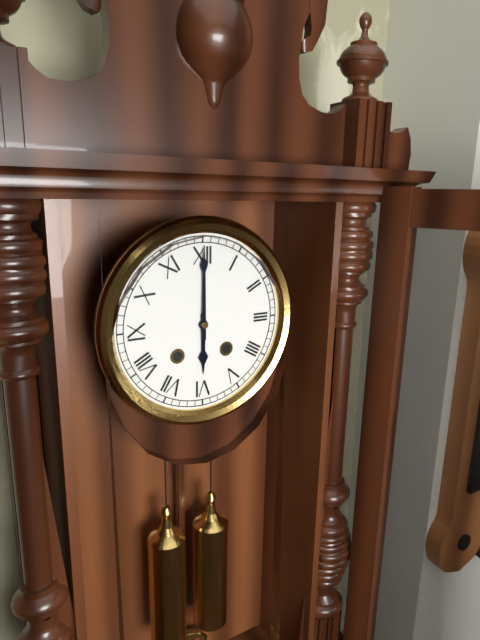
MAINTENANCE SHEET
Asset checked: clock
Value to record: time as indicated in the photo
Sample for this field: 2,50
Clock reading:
6,00
